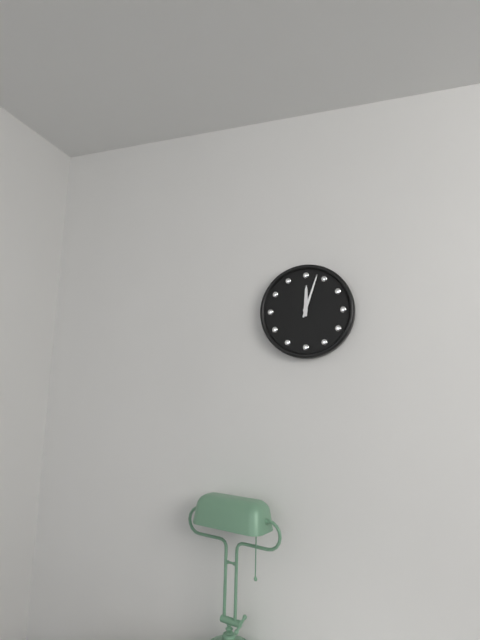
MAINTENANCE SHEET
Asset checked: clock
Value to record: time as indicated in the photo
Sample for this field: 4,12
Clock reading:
12,03
